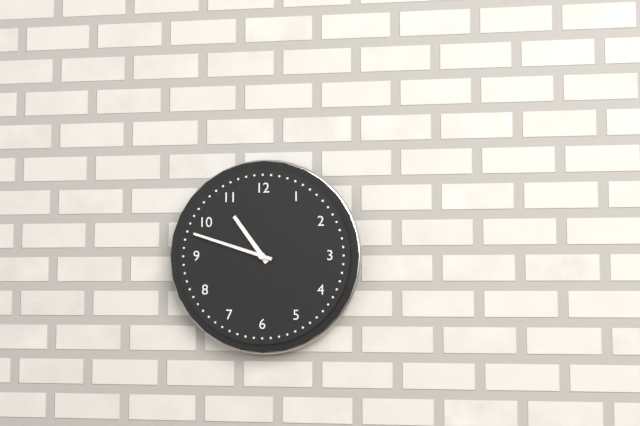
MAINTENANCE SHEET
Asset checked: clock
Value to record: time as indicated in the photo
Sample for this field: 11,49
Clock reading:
10,48
